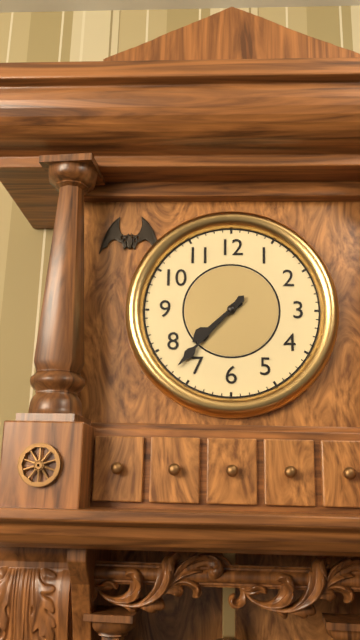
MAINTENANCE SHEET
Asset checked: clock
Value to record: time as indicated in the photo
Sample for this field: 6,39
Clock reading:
7,37
